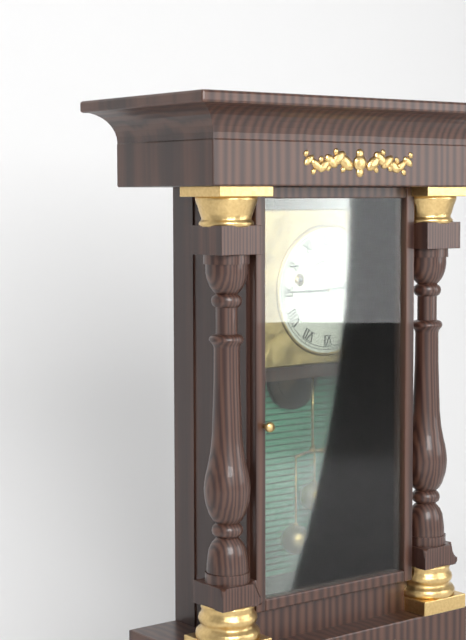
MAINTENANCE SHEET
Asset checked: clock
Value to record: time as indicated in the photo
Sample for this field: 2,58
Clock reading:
2,45
